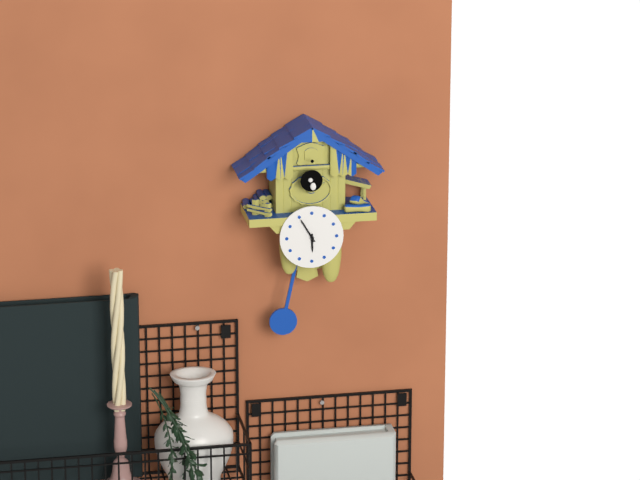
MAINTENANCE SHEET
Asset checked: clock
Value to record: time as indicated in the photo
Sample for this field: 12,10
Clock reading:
5,55
